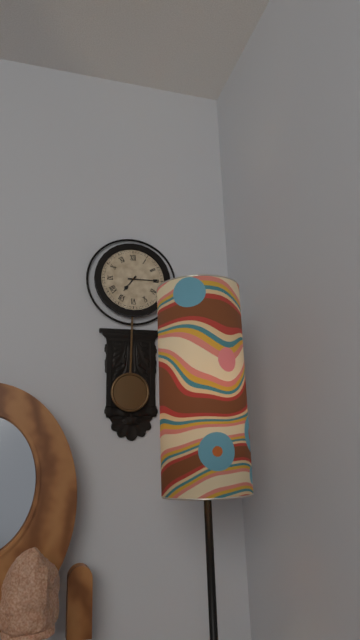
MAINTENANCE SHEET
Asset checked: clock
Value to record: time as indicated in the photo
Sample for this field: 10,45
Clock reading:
7,15
